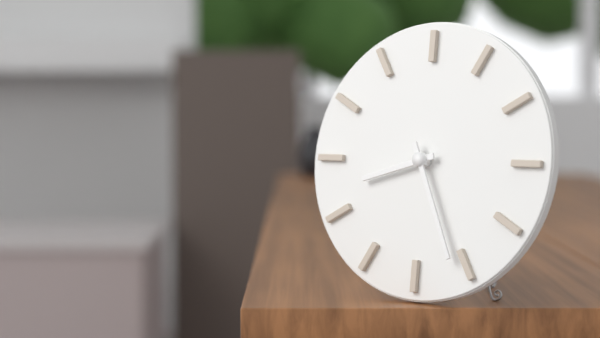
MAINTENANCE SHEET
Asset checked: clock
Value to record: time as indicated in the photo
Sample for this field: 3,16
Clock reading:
8,26
